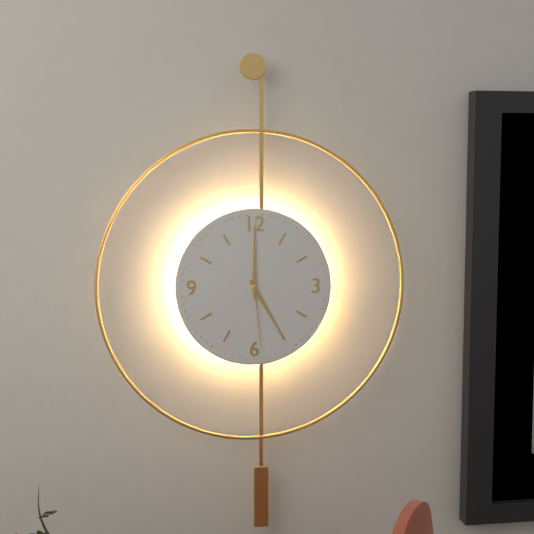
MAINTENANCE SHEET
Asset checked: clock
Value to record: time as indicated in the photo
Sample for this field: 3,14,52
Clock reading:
5,00,29
